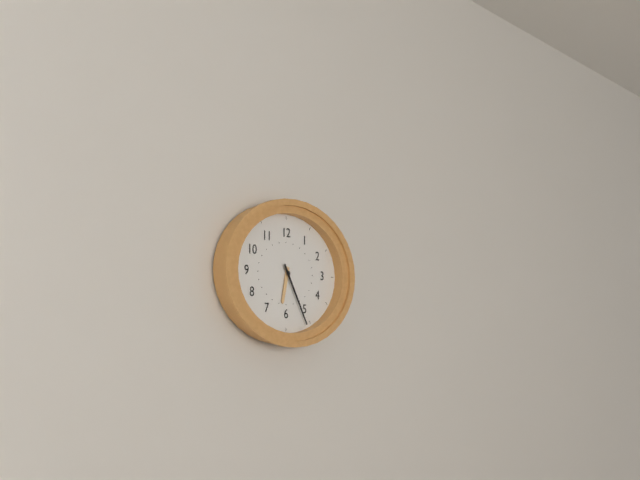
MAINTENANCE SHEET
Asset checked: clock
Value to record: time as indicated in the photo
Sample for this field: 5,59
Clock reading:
6,25
